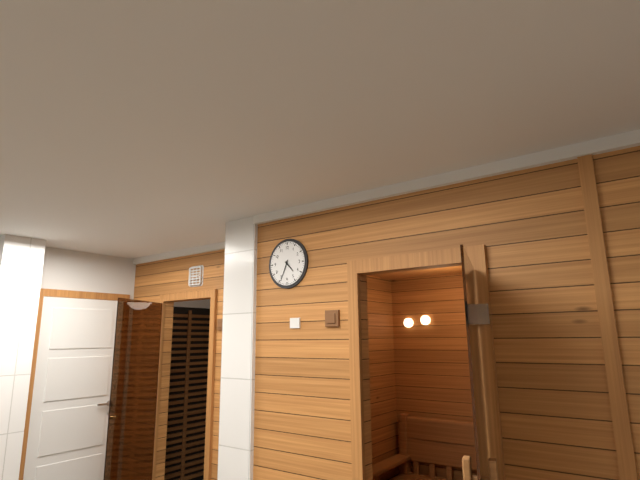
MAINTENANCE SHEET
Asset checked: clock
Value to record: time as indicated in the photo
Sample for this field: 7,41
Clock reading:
4,34
